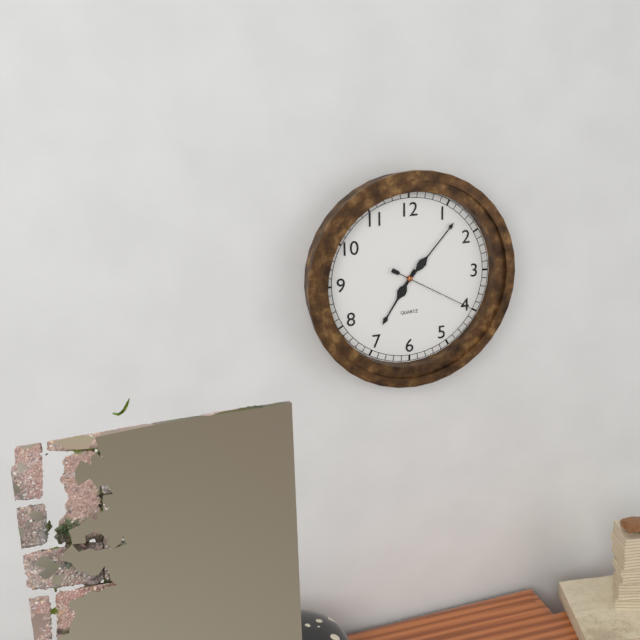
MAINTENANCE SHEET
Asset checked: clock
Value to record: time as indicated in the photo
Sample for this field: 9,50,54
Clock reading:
7,07,20
